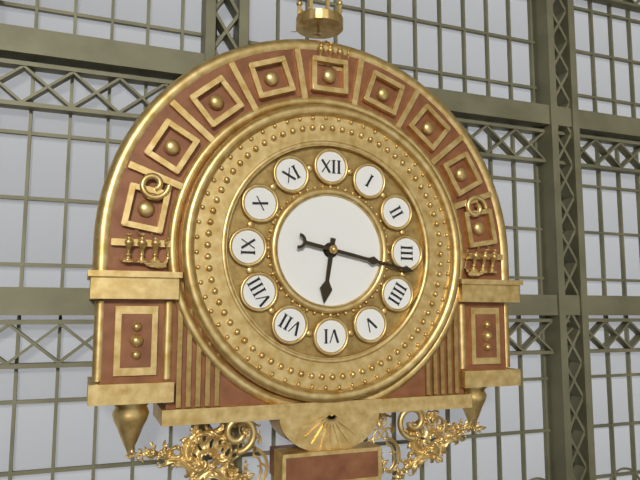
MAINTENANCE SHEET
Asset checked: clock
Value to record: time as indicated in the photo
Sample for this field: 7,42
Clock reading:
6,17
